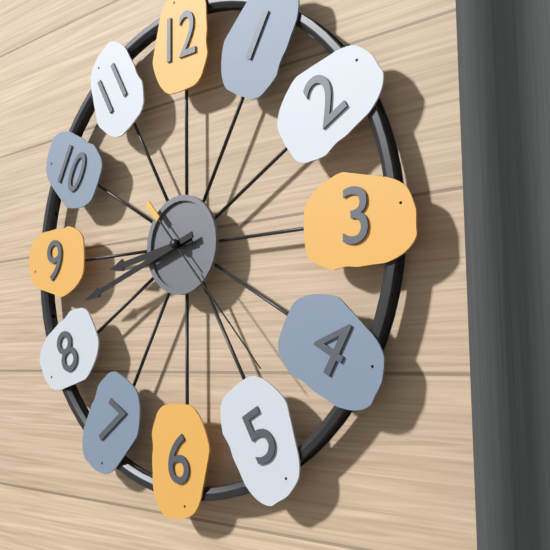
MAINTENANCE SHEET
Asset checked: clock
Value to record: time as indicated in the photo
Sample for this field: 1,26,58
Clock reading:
8,42,23
